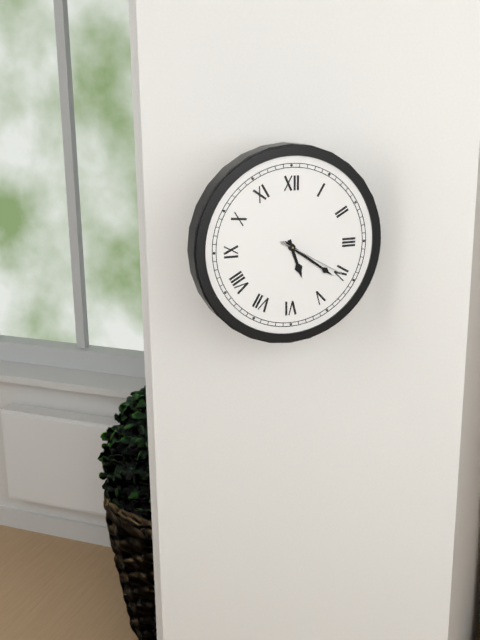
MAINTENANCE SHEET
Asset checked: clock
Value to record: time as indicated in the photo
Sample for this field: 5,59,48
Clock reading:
5,21,20
